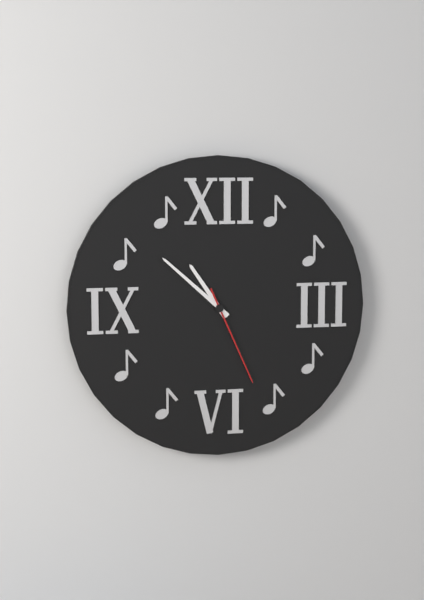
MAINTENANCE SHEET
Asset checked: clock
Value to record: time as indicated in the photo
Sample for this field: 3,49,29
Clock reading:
10,52,26
